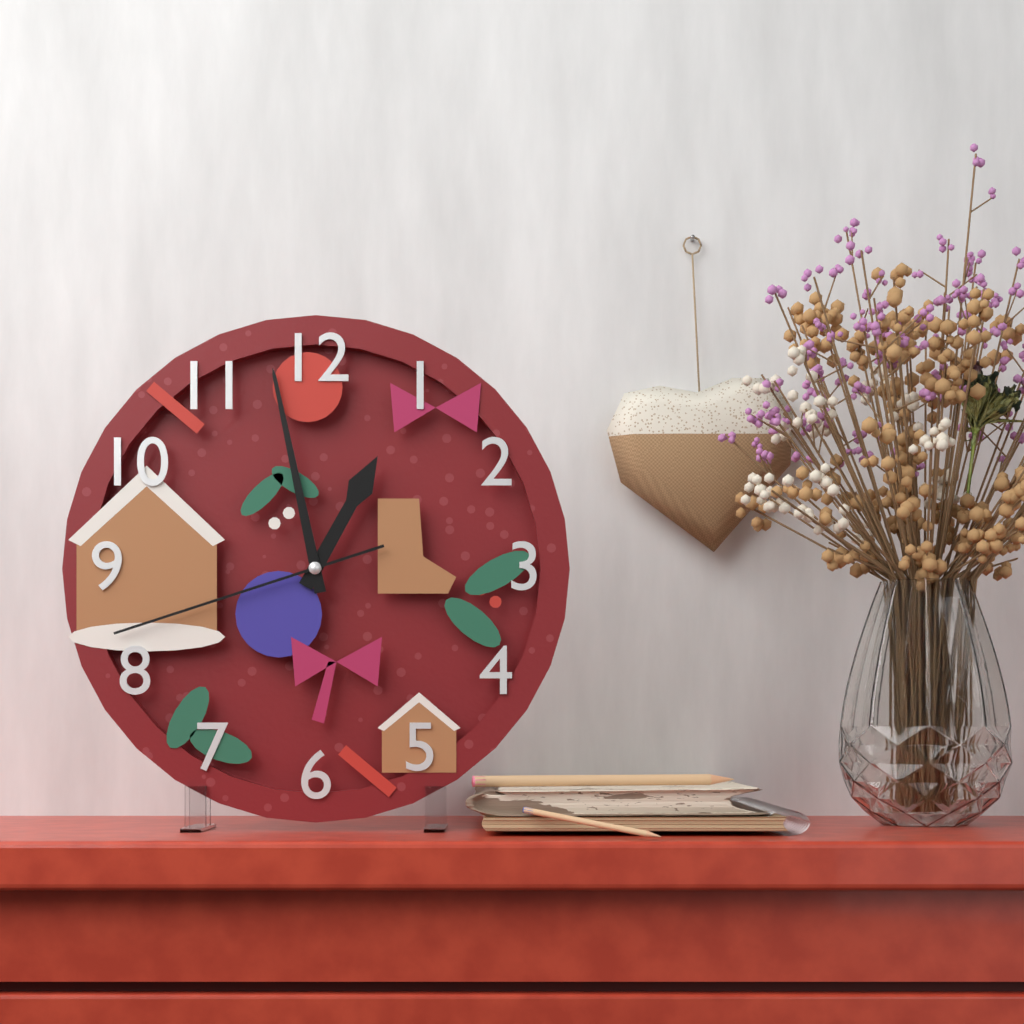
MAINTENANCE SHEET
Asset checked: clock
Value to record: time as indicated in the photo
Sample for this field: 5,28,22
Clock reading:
12,58,42
